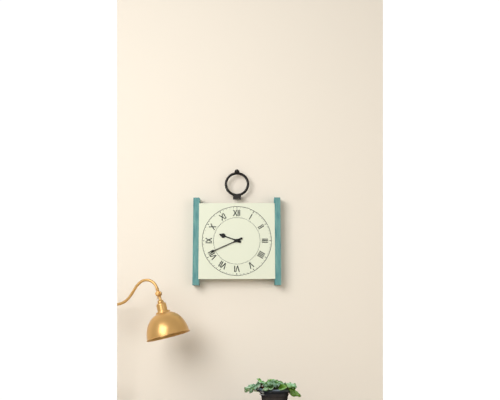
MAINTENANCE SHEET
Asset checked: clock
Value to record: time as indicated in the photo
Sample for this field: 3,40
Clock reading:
9,41
